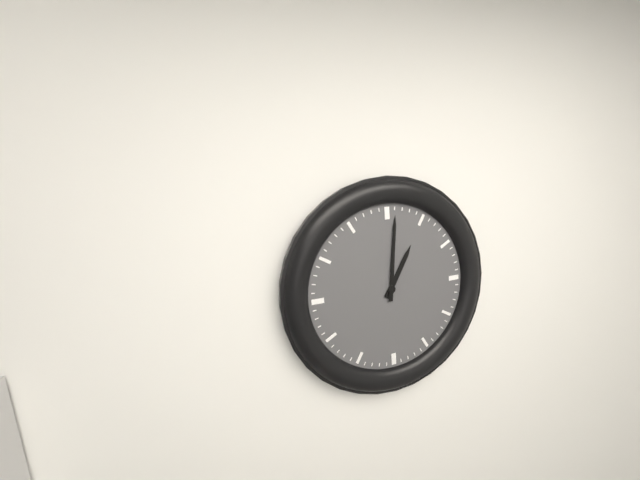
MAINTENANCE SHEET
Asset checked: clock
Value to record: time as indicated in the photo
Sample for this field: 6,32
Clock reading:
1,01
